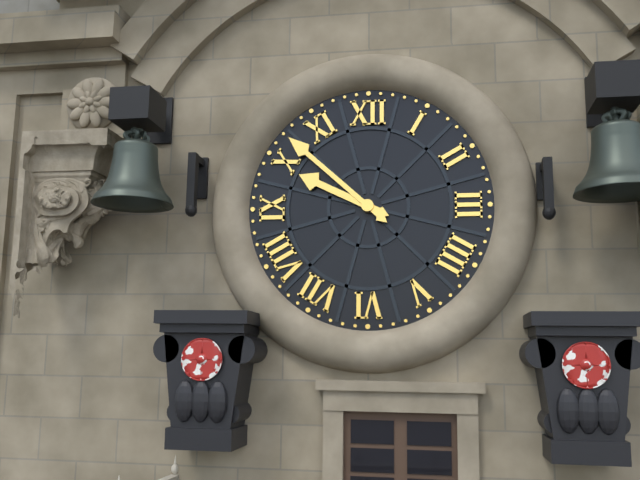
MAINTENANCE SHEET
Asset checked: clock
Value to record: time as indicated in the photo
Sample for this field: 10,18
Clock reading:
9,52
